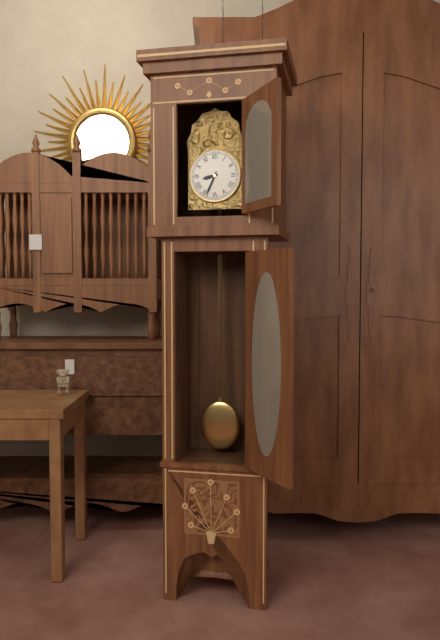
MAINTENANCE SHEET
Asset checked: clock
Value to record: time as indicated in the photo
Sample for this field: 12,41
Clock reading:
8,34
